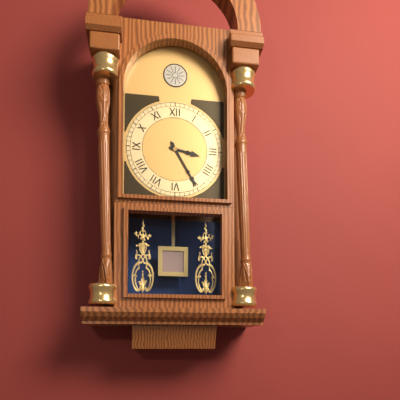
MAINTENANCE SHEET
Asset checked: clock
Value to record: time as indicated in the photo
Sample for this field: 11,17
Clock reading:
3,25
